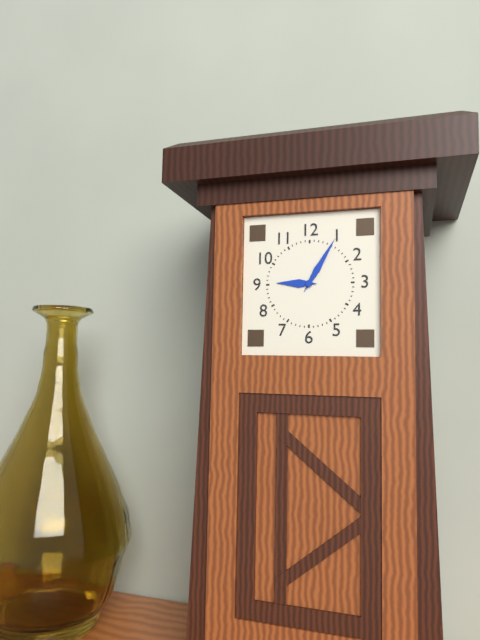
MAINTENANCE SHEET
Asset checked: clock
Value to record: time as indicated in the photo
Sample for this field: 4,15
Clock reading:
9,05
